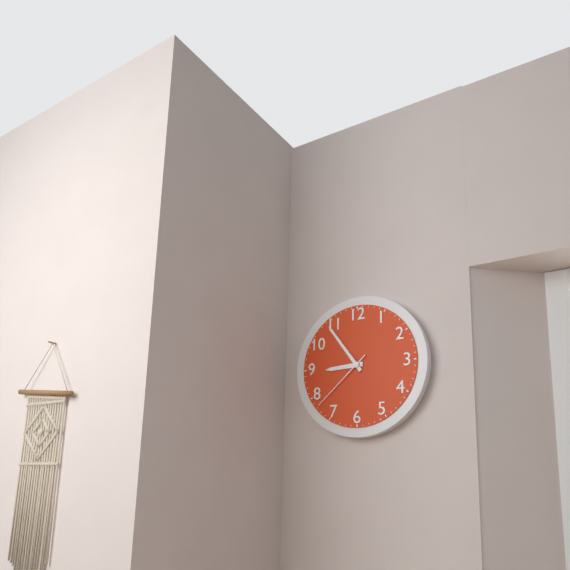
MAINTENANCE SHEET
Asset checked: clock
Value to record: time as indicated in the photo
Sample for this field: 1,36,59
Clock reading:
8,54,38
